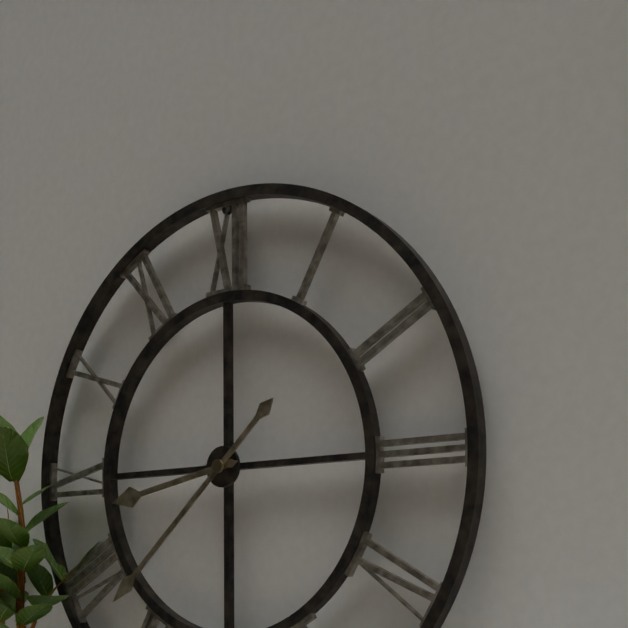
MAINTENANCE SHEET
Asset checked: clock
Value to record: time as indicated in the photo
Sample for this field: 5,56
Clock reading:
8,38
